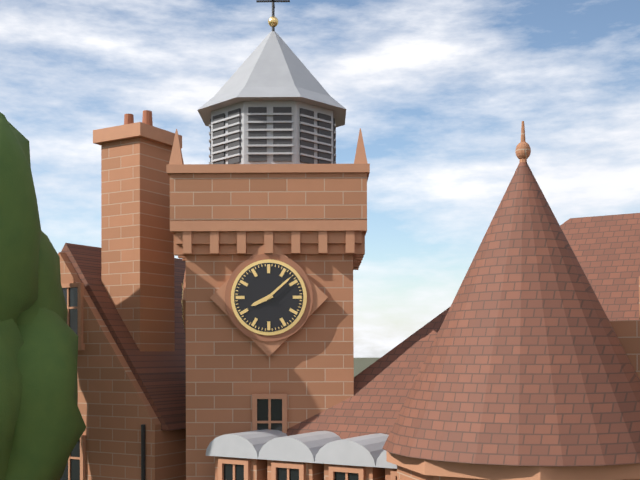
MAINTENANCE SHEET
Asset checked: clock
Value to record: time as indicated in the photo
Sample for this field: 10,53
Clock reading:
8,08
